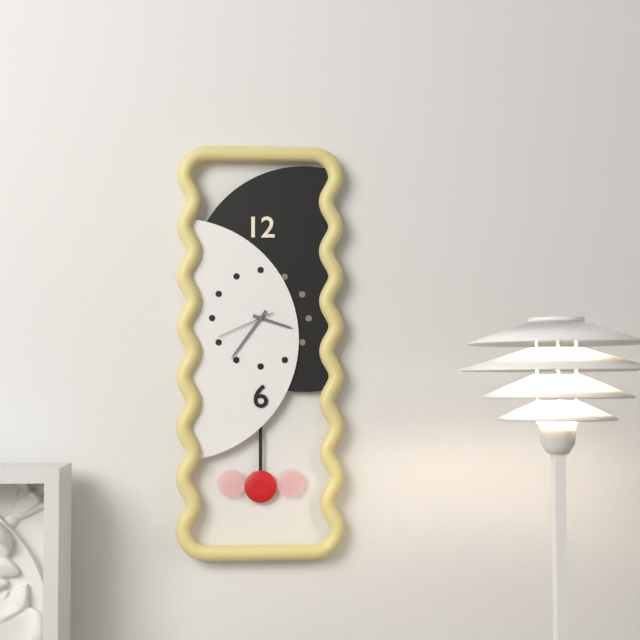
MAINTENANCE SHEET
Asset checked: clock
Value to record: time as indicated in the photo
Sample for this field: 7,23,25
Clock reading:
3,36,41
